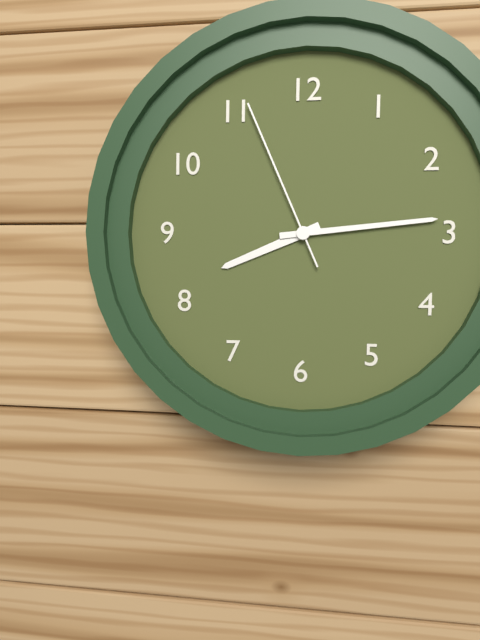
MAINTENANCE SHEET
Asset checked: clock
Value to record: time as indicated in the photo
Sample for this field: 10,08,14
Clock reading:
8,14,56
